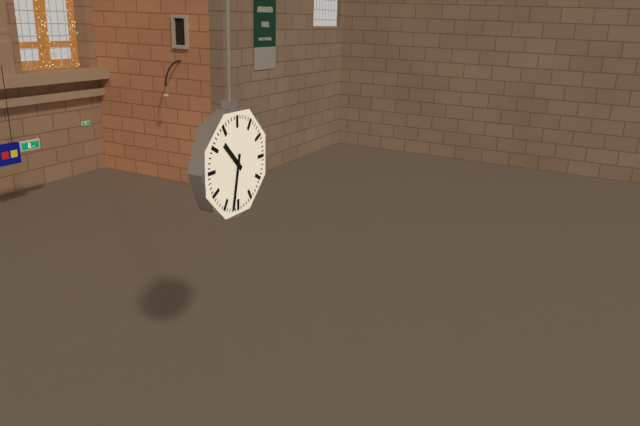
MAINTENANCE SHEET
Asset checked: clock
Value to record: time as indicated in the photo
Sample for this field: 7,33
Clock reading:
10,32
